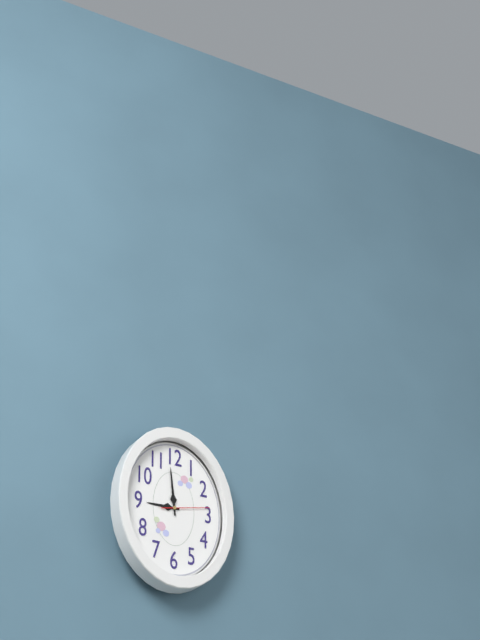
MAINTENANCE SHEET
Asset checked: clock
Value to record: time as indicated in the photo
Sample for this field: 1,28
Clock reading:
8,59
